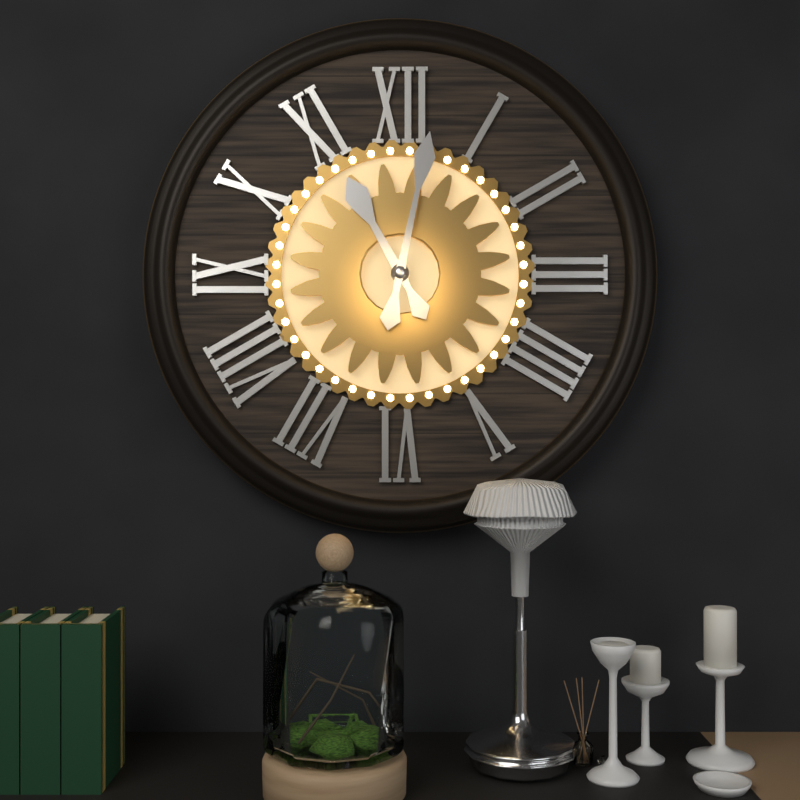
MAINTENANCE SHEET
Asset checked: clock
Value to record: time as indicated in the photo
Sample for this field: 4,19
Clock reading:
11,02
